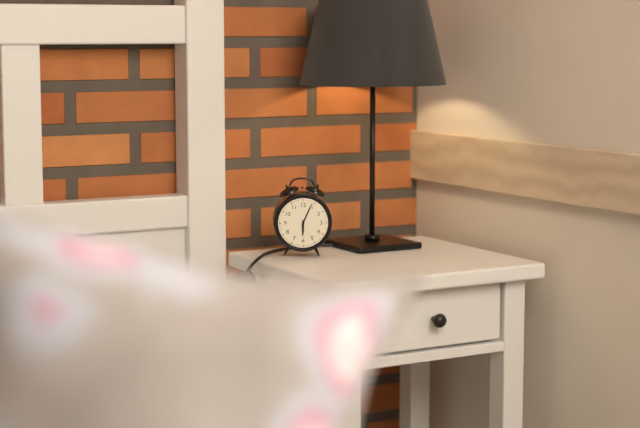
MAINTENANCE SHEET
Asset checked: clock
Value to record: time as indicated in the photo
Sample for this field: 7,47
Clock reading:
6,04
